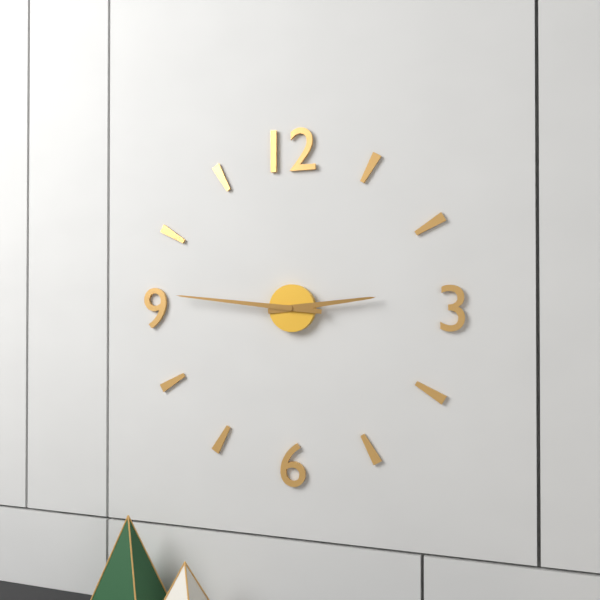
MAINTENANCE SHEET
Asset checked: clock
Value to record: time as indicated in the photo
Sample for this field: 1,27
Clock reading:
2,46
